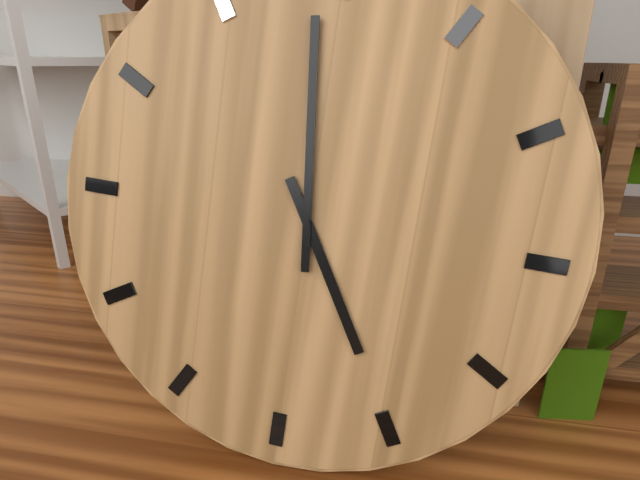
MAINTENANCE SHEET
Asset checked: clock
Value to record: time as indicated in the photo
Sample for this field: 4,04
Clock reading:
4,59
